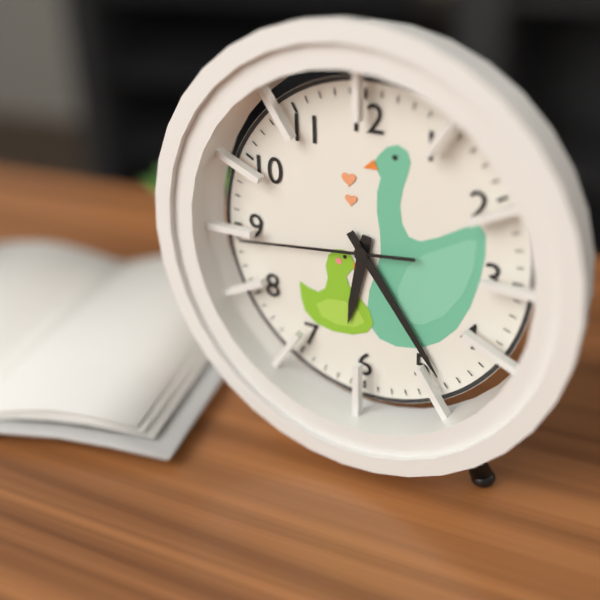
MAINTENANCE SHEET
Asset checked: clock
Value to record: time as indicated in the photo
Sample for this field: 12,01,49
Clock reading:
6,24,44
